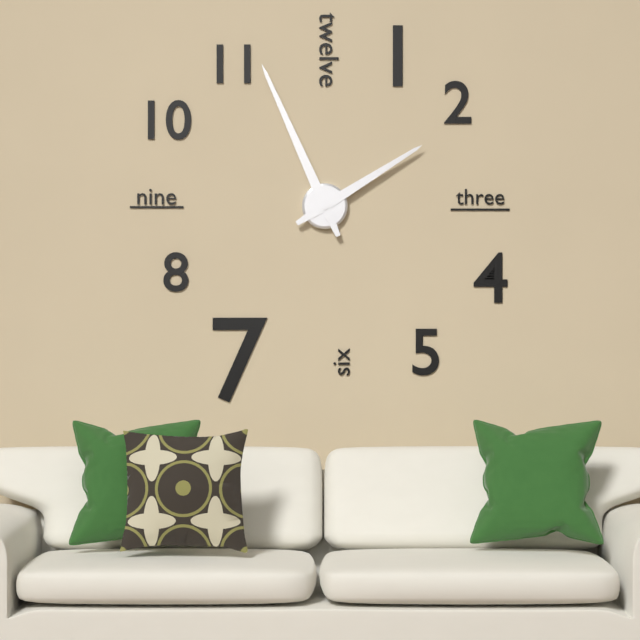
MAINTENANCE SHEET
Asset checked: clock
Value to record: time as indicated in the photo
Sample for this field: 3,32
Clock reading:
1,56
